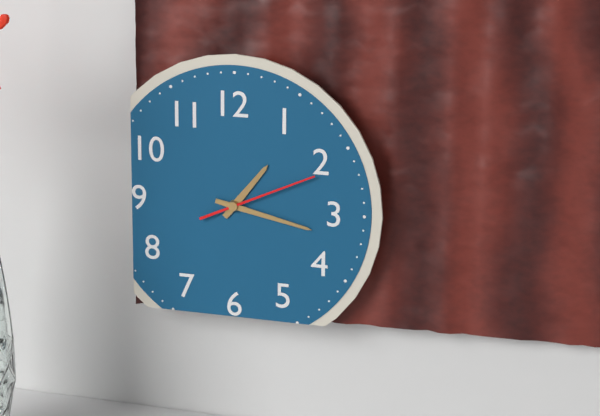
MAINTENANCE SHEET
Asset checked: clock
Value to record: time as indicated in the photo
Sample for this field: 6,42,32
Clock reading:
1,17,11
